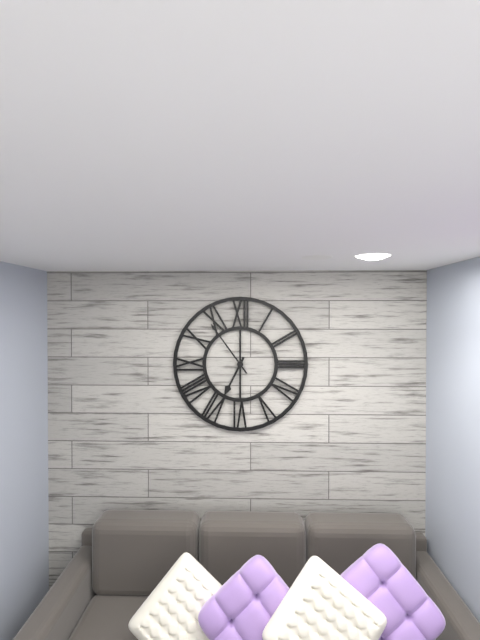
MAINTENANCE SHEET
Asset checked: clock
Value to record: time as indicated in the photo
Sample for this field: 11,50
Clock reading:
6,54
